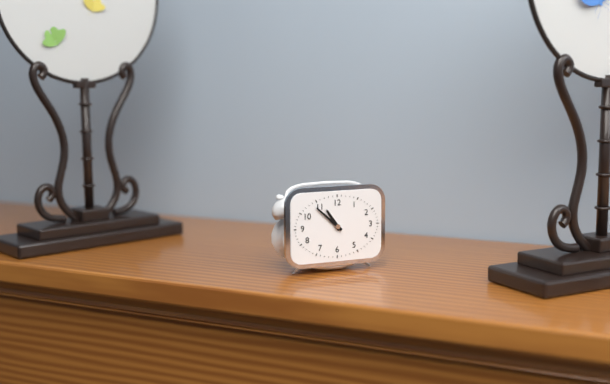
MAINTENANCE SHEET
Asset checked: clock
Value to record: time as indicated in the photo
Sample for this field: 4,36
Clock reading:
10,52
